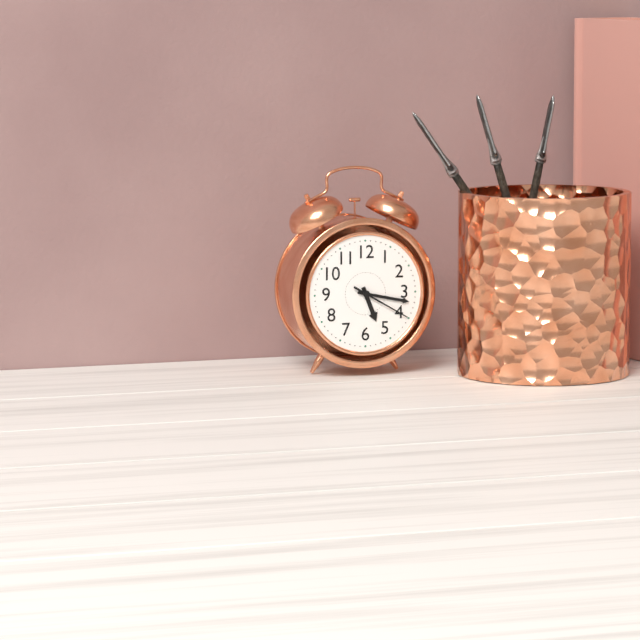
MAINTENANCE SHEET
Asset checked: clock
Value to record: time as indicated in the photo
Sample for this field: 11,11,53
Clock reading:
5,17,20
